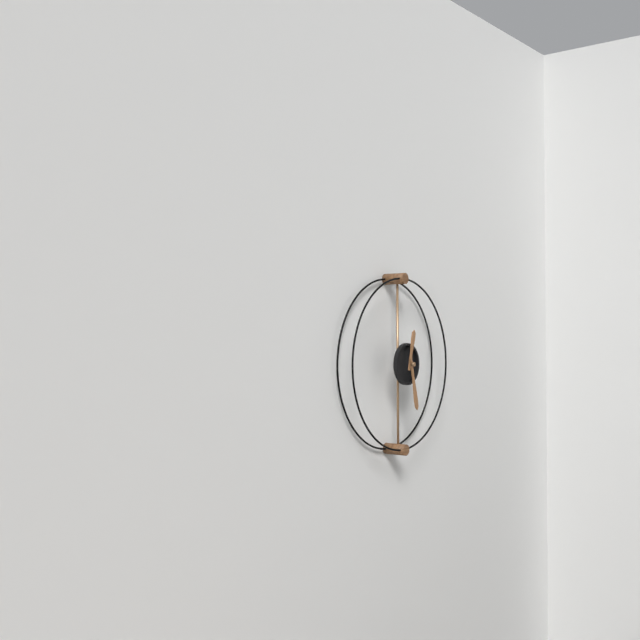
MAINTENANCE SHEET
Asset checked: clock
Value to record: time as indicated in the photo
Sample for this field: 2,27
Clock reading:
12,28
